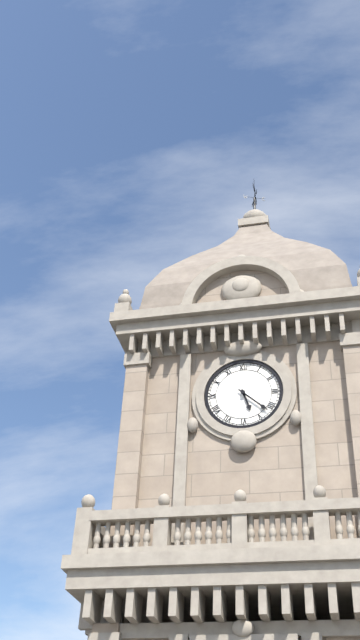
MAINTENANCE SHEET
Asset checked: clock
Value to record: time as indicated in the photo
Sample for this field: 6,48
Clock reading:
5,22
